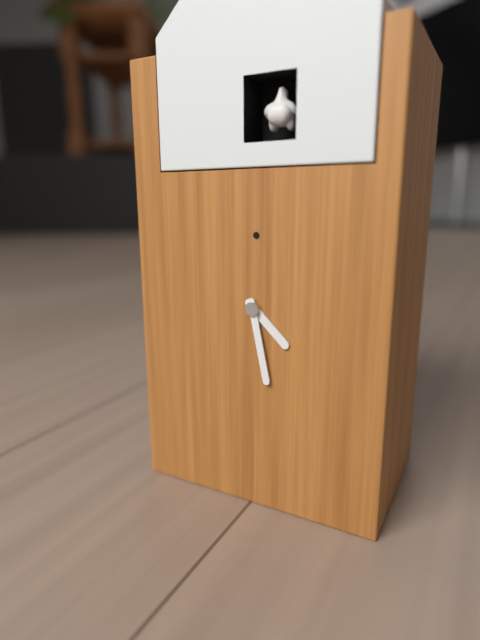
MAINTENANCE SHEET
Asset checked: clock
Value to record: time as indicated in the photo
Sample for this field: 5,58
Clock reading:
4,28
